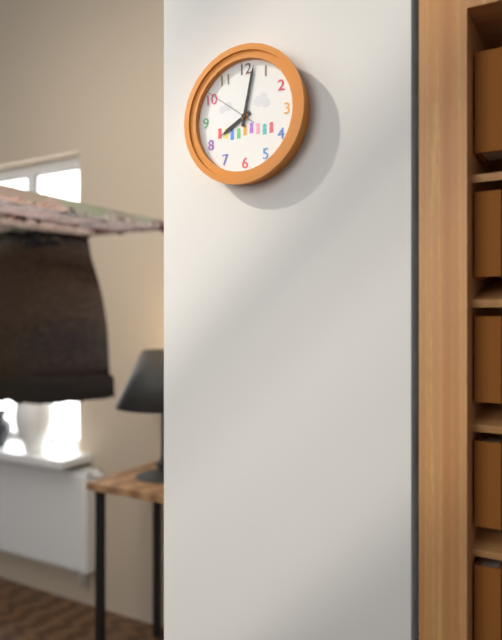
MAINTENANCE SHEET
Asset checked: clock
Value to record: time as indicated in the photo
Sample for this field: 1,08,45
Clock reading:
8,02,51
